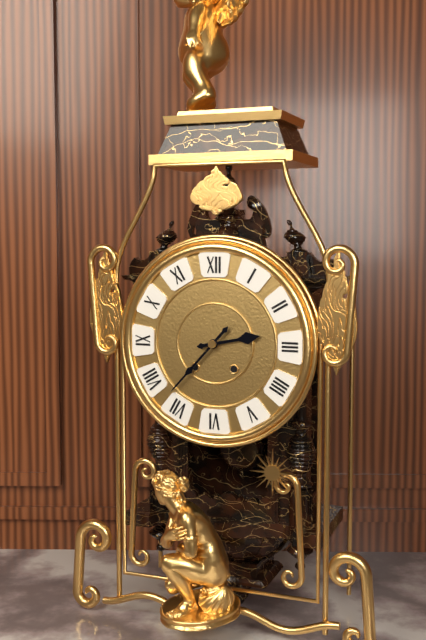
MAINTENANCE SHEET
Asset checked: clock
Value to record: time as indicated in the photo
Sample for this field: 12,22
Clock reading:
2,37
